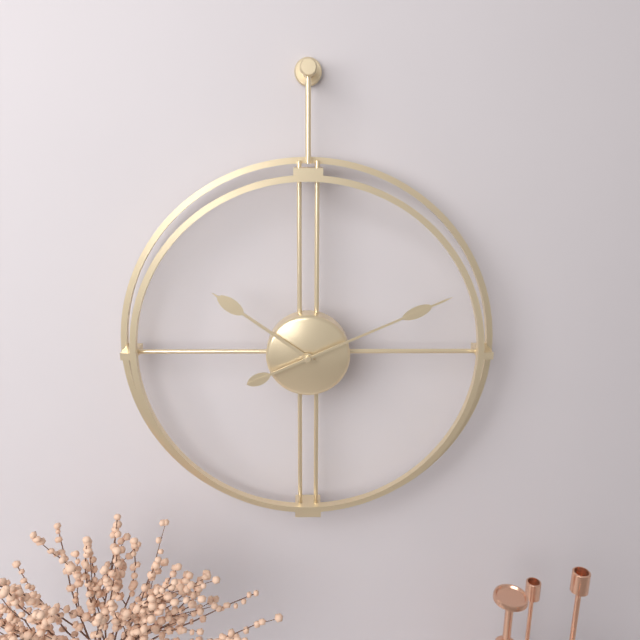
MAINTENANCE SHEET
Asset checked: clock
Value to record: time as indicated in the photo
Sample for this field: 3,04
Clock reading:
10,11
